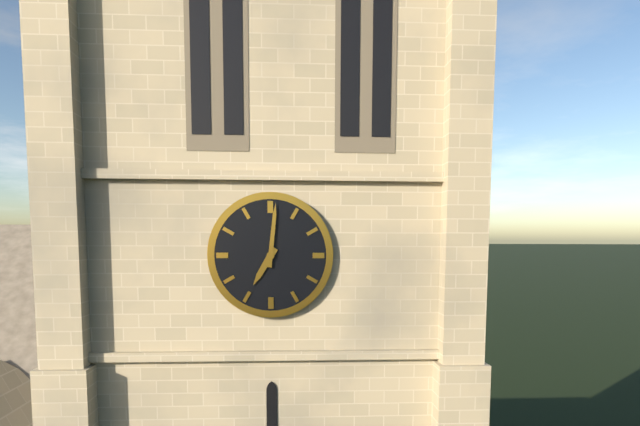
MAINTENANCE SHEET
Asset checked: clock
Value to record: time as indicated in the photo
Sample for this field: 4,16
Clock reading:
7,01
